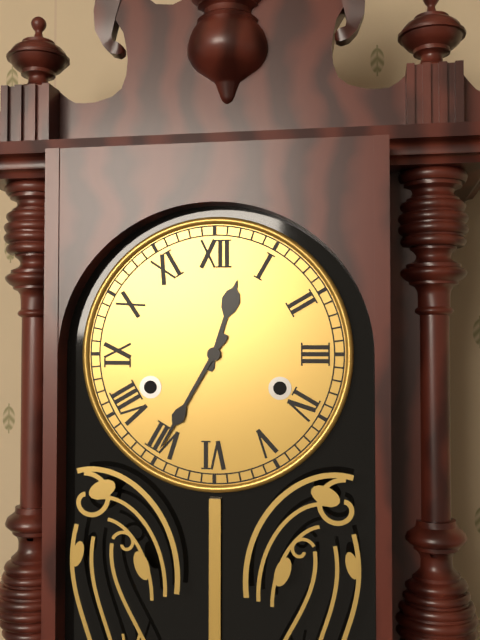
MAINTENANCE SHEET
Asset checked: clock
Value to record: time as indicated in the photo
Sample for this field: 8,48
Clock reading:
12,35
